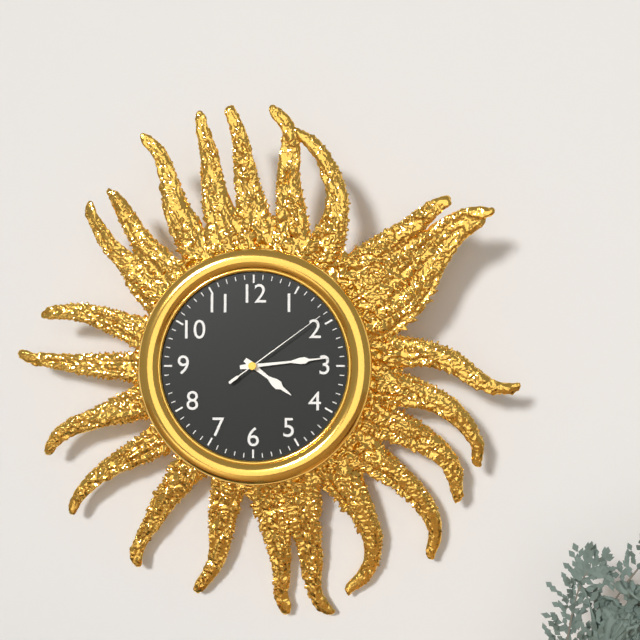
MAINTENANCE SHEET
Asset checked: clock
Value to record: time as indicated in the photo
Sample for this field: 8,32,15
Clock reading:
4,14,09
